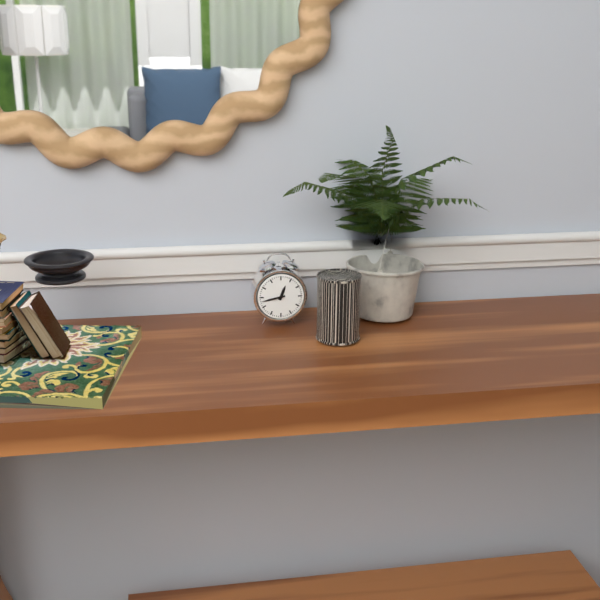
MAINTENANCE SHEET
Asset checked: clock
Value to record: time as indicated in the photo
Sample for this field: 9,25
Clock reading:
12,43
